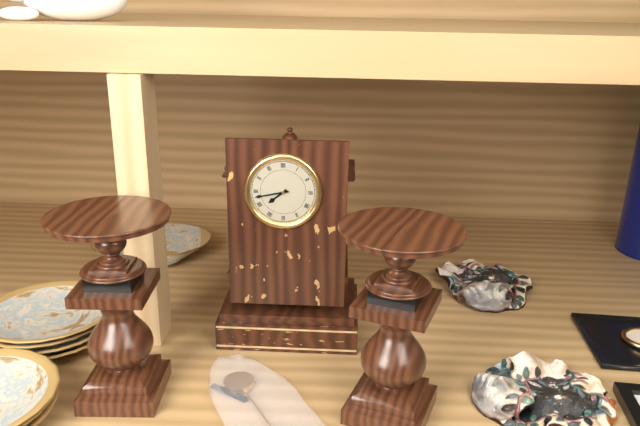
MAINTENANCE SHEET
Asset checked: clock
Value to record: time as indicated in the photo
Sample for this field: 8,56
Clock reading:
7,43
